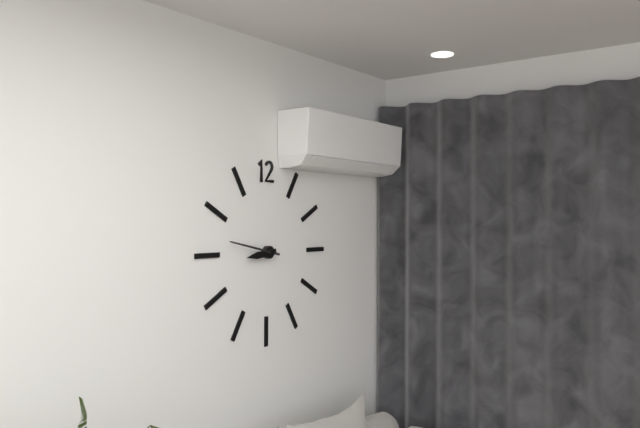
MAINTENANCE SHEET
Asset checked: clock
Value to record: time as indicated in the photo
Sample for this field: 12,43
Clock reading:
8,47
